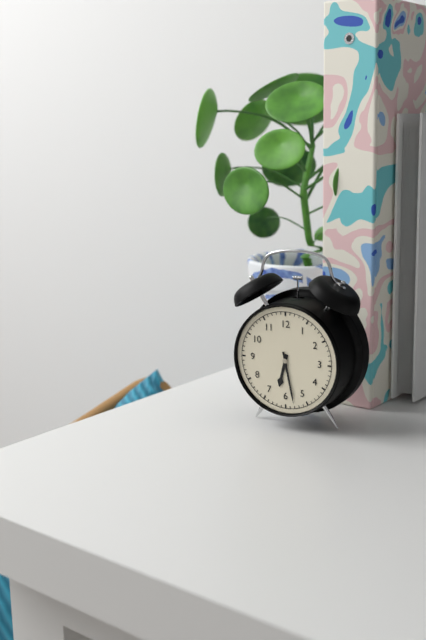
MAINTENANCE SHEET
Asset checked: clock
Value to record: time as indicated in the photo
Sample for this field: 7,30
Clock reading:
6,28
